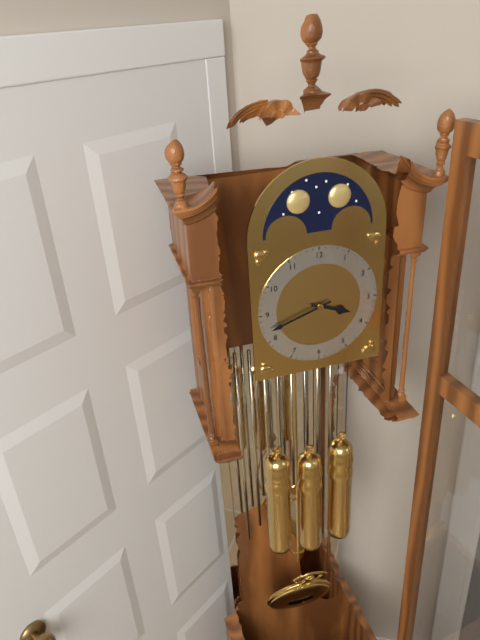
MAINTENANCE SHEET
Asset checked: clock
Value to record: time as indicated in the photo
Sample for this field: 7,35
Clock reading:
3,42
